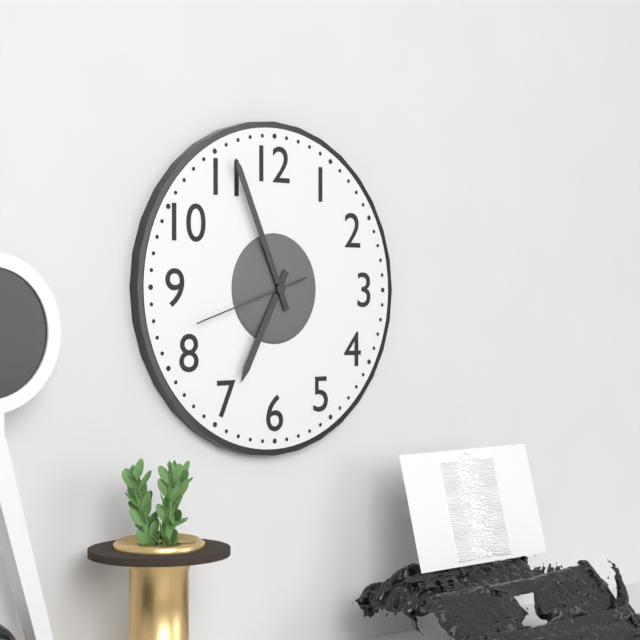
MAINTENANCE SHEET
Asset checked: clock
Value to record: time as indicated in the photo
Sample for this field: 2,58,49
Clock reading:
6,56,42
